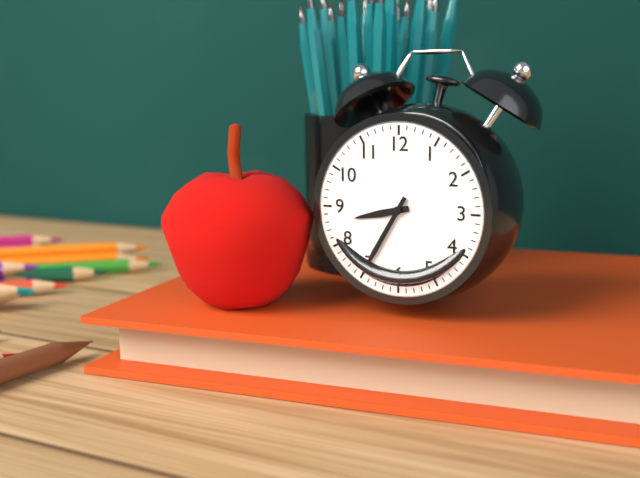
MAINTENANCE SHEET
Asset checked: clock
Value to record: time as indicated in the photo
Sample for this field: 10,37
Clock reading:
8,35
